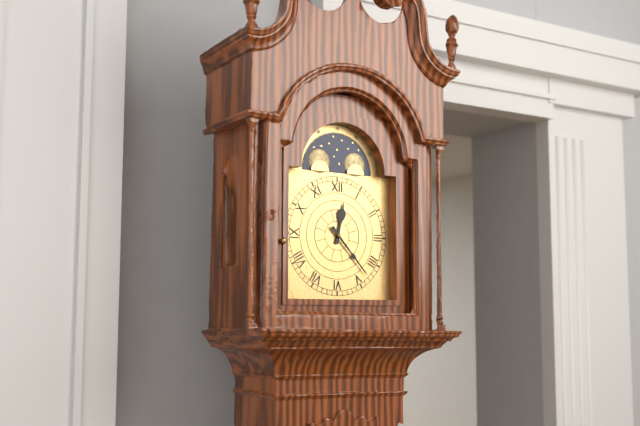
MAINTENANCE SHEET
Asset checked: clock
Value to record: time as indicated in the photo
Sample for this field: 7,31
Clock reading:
12,23
